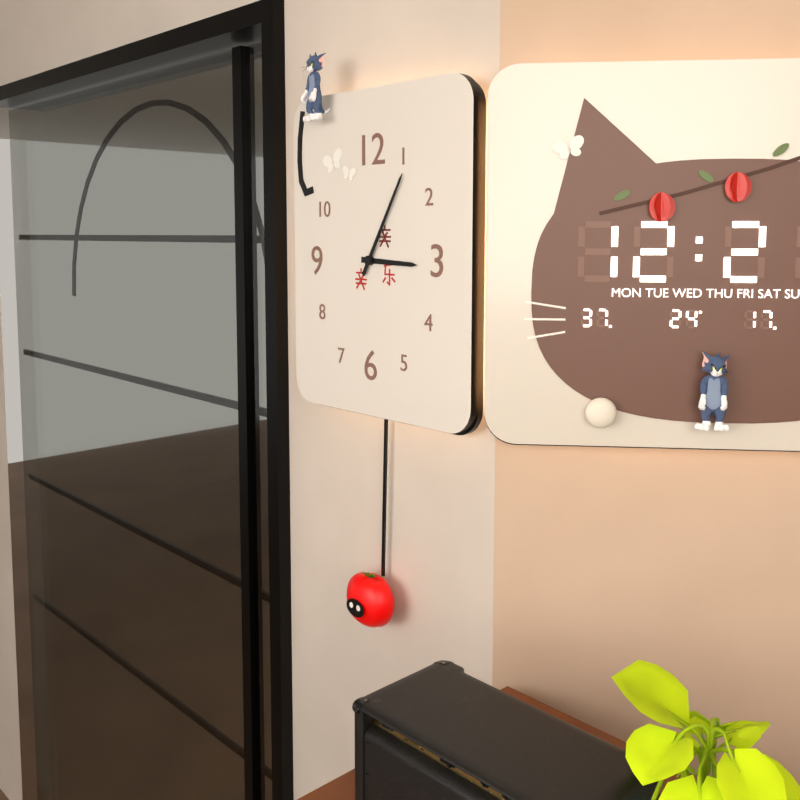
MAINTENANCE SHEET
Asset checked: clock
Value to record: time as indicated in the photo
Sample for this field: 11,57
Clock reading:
3,05
